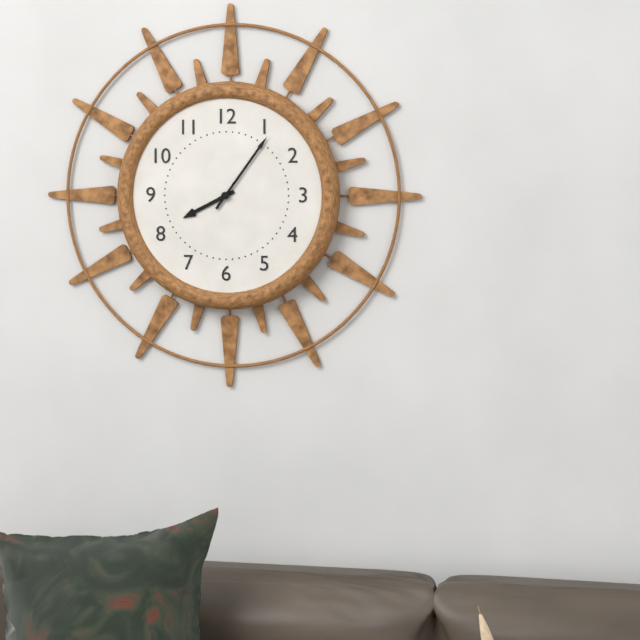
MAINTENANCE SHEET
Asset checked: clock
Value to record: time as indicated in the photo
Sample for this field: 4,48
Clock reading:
8,06
